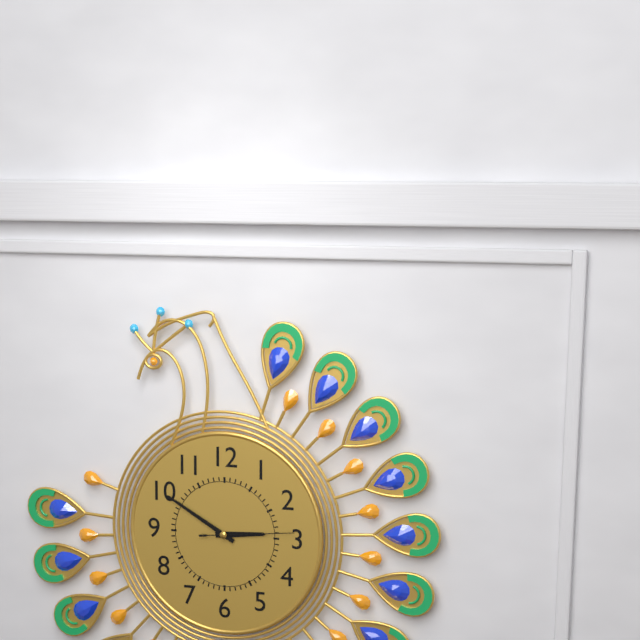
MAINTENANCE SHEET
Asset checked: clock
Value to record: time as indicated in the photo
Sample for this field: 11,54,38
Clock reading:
2,50,14
